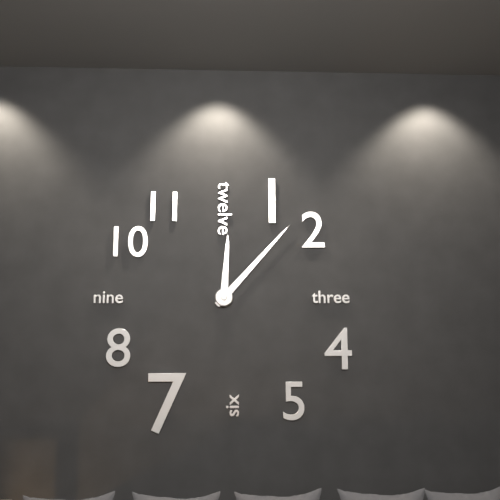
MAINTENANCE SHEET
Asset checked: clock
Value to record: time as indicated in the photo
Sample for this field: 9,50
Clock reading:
12,07
